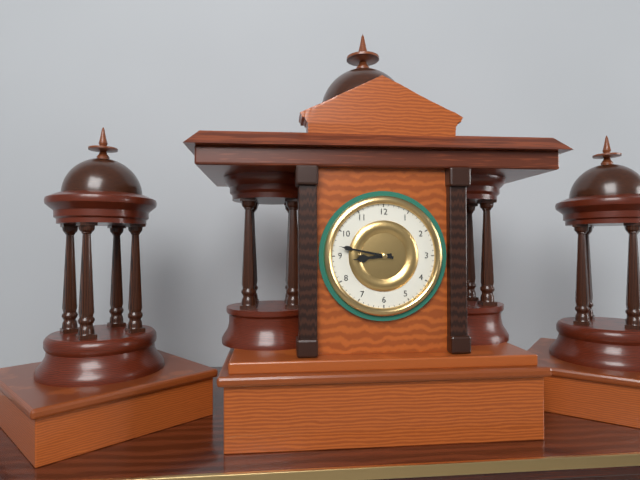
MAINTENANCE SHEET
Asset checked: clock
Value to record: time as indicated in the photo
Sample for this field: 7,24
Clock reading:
8,47
